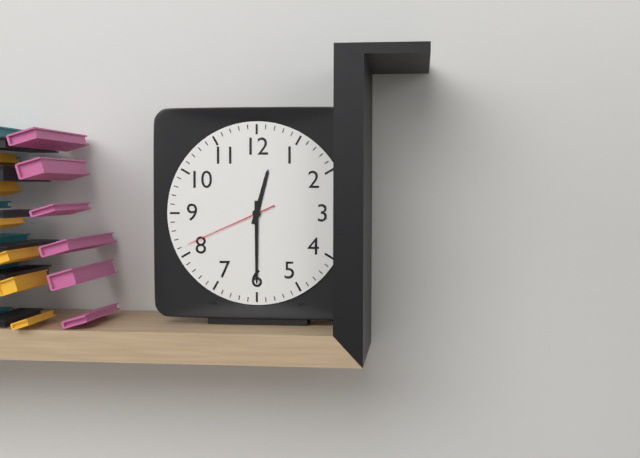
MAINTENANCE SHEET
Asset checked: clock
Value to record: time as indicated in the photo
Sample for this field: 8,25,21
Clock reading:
12,30,41
